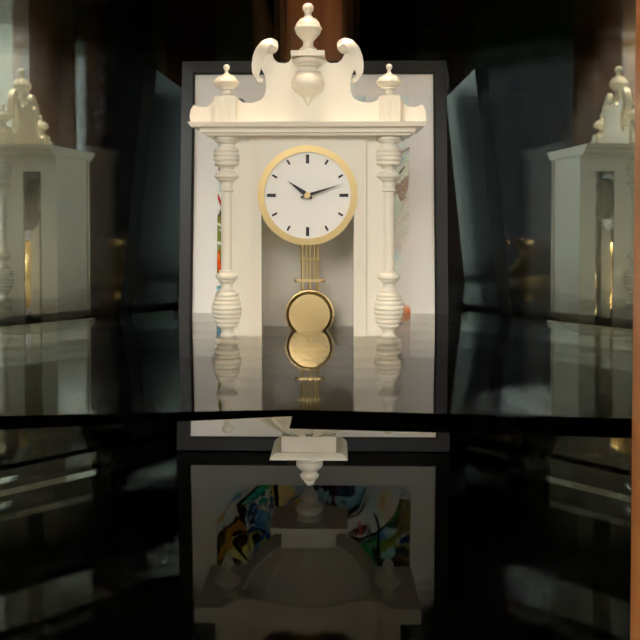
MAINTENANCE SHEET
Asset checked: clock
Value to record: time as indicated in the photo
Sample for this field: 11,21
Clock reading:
10,12
